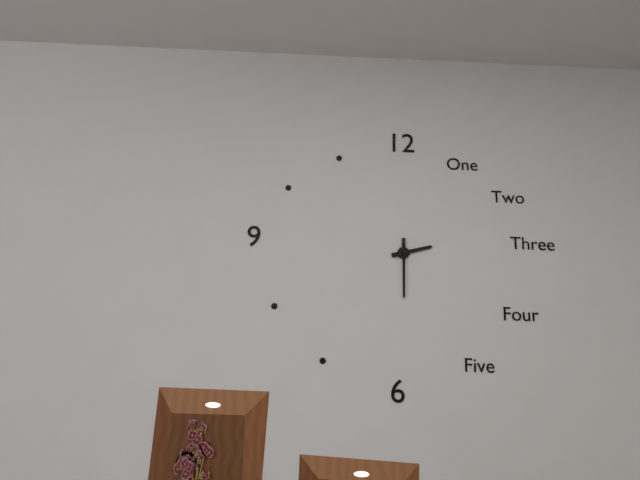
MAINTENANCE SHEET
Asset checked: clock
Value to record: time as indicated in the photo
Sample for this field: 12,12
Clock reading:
2,30
